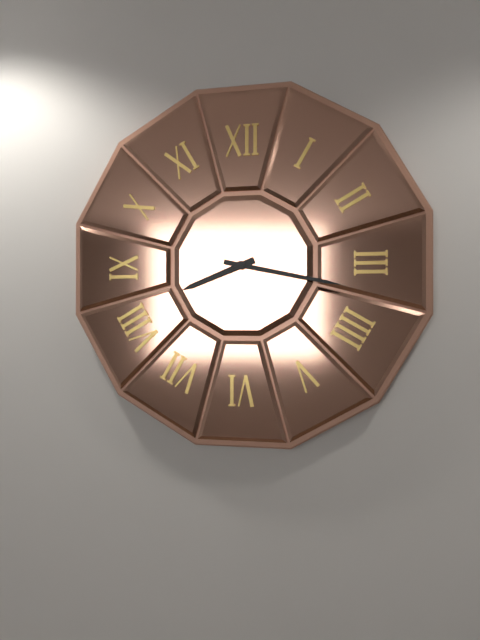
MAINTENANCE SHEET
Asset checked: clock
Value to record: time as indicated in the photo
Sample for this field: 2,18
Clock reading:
8,17
